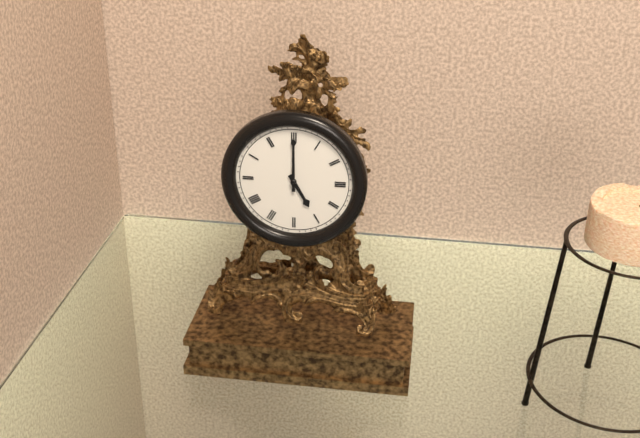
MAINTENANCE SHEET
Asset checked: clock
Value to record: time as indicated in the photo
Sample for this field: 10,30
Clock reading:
5,00
